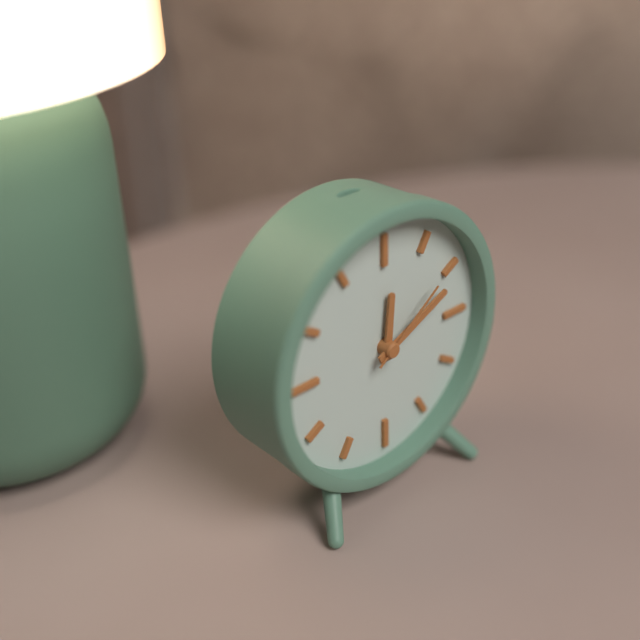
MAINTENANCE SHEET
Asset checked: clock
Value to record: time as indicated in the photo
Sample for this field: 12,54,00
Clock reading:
12,11,09
